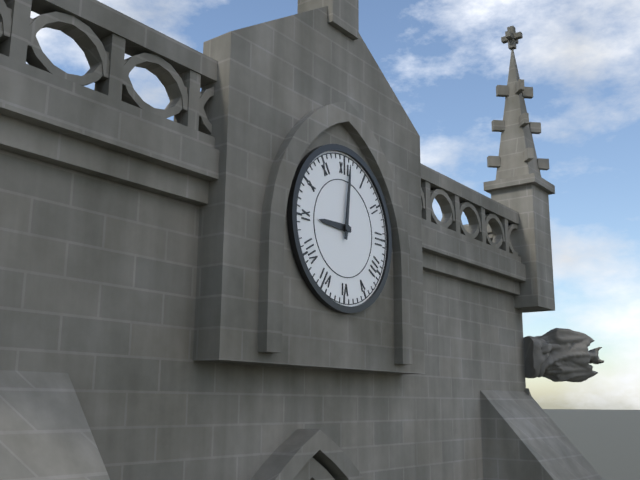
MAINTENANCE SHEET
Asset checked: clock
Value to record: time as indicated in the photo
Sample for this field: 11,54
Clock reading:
9,01
